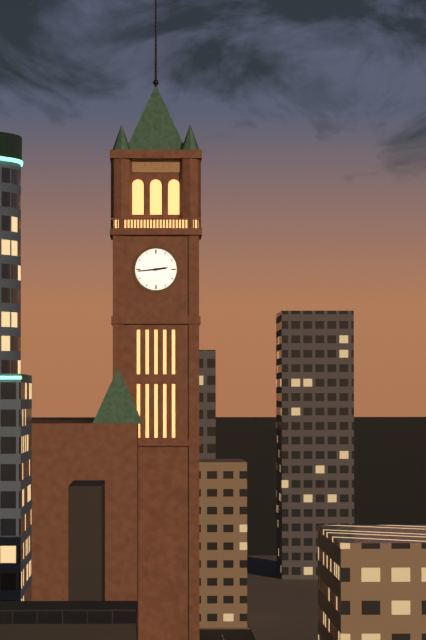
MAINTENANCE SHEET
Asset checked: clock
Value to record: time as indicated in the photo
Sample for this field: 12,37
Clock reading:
2,44
